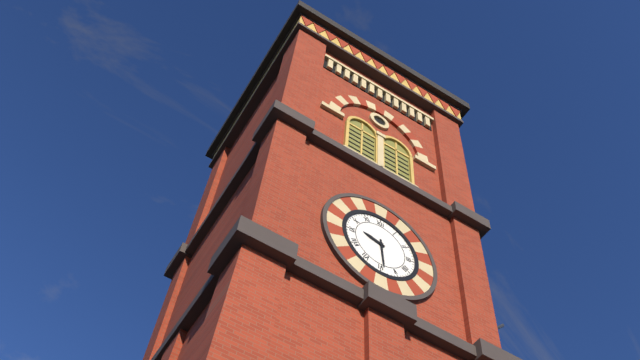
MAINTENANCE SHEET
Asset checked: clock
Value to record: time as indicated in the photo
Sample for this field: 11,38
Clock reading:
9,29
